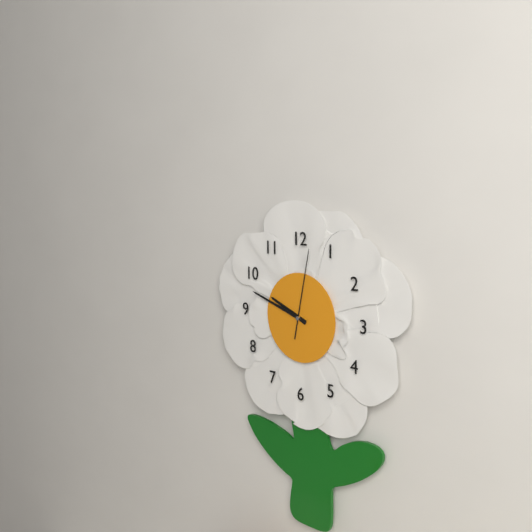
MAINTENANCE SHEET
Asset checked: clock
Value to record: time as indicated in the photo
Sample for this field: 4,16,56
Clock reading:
9,48,02
